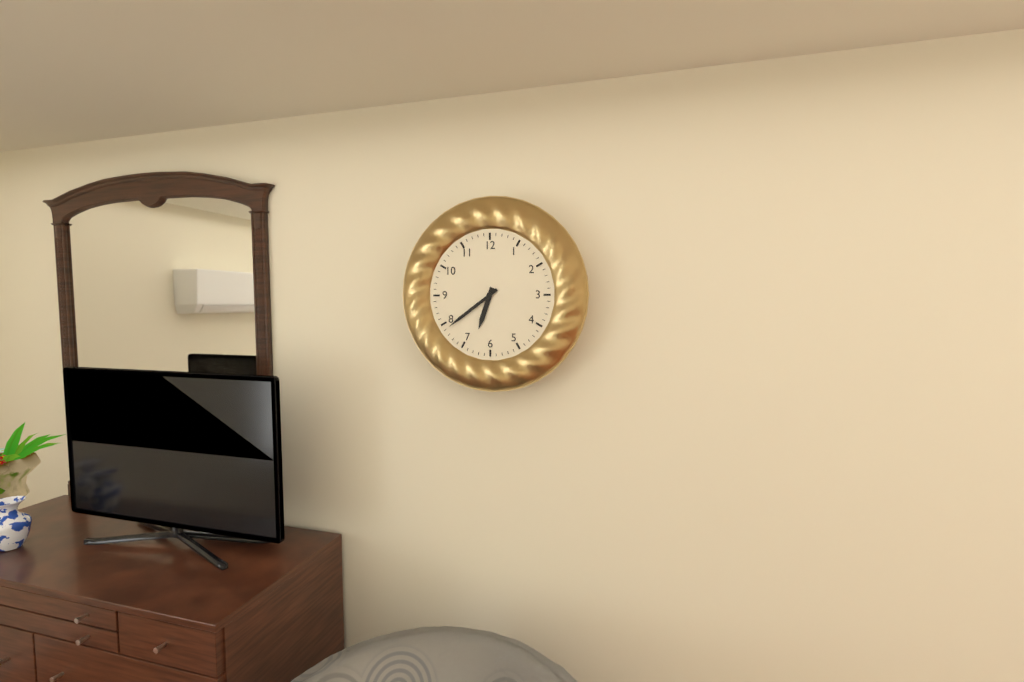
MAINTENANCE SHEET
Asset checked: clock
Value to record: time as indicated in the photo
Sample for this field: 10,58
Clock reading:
6,39
